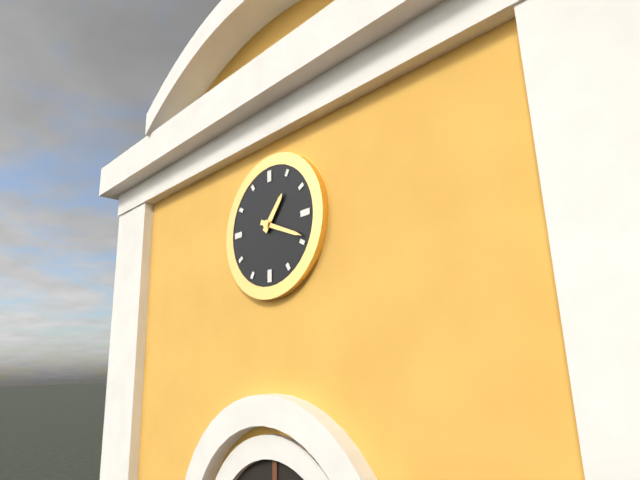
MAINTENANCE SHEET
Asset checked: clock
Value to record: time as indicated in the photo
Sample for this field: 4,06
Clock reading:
1,19
